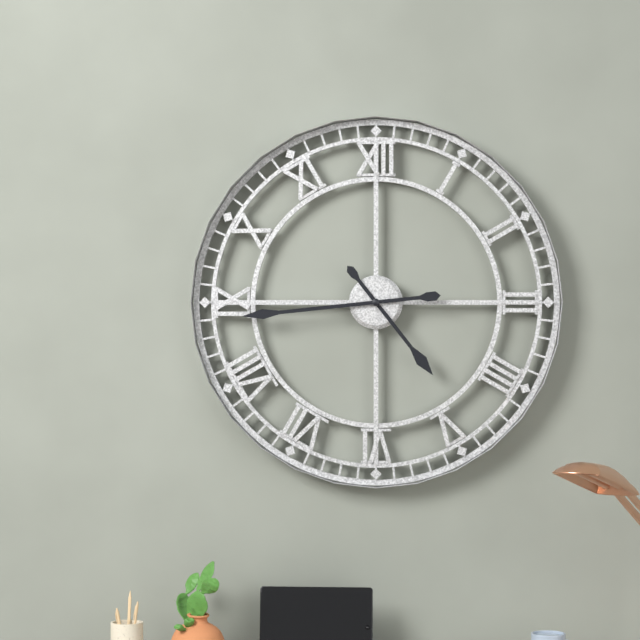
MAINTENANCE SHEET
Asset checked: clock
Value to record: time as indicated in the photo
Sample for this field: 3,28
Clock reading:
4,44
